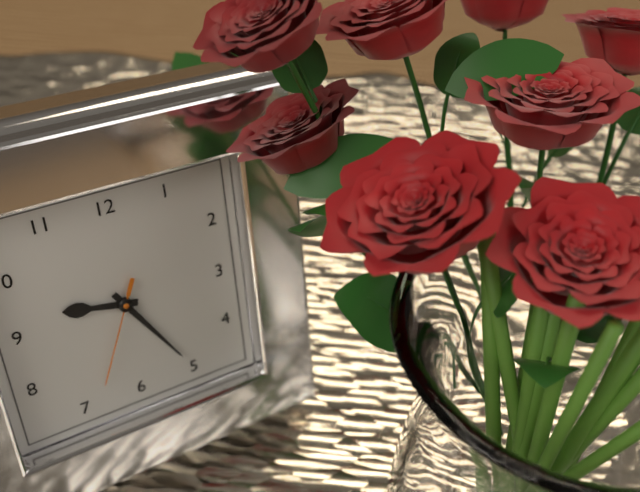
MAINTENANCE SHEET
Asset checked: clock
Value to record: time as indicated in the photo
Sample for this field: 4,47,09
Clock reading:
9,25,34
